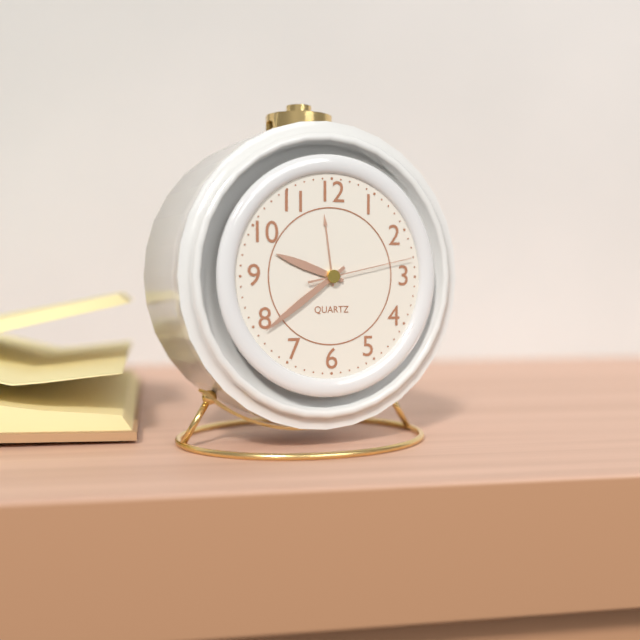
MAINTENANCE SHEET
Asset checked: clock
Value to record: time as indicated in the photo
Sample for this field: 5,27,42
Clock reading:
9,39,13
